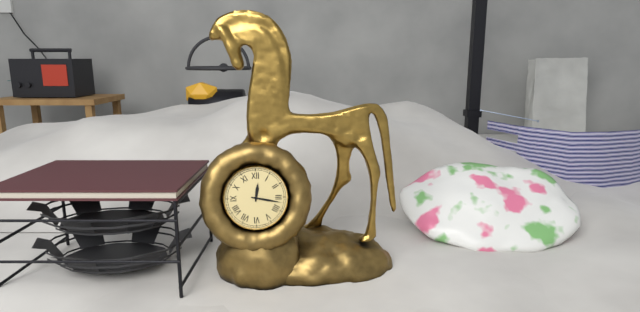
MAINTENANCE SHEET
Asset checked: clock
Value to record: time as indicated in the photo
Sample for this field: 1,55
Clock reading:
12,17
